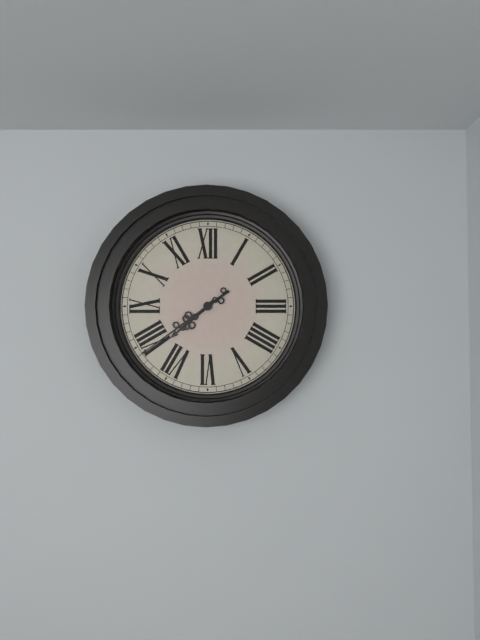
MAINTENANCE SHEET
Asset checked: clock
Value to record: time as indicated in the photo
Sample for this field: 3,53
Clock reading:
7,39
